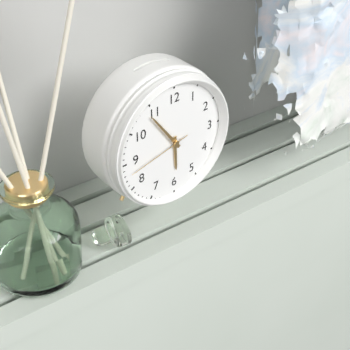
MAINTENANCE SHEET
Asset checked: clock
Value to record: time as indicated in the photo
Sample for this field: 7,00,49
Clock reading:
5,54,43
